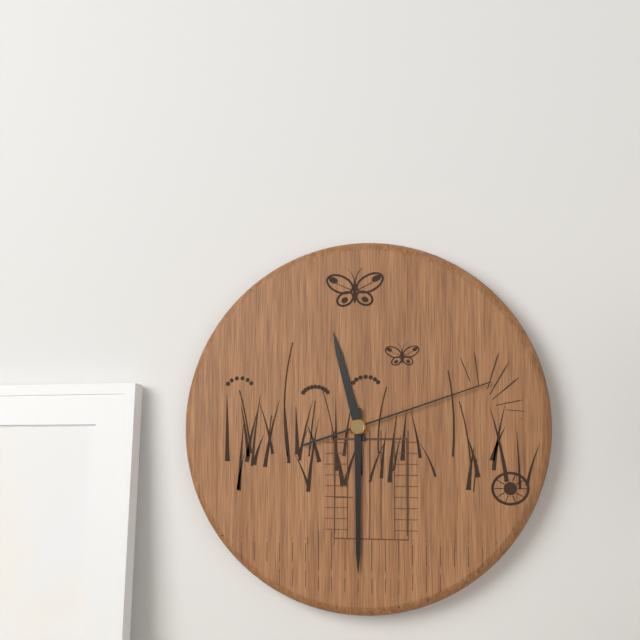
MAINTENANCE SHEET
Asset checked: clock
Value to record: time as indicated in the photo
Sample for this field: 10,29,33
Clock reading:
11,30,12
